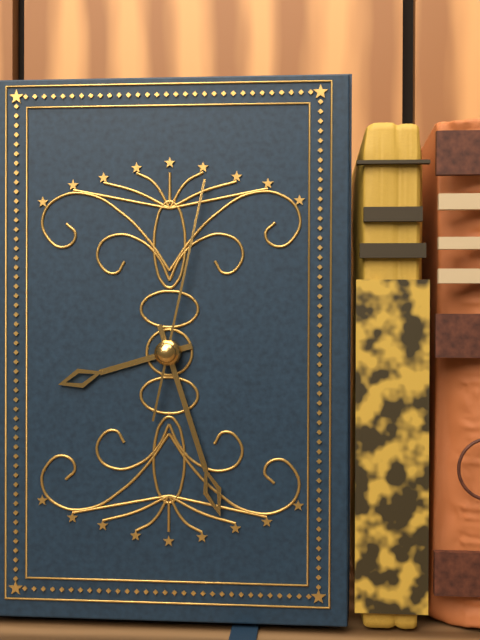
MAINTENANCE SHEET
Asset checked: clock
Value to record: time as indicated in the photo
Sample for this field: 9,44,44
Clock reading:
8,27,02
